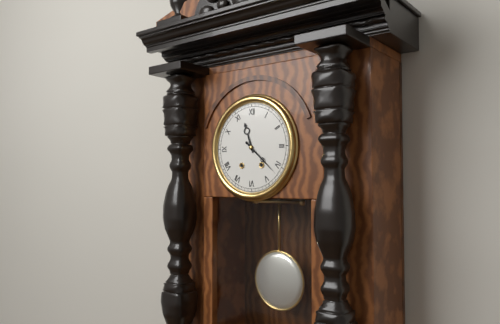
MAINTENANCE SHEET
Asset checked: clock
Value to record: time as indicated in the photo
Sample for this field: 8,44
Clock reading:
11,22
